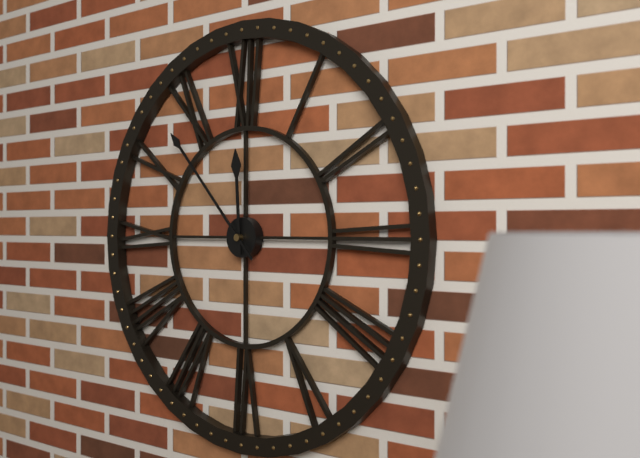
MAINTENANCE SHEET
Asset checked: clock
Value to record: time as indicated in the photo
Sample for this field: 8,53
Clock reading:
11,53
